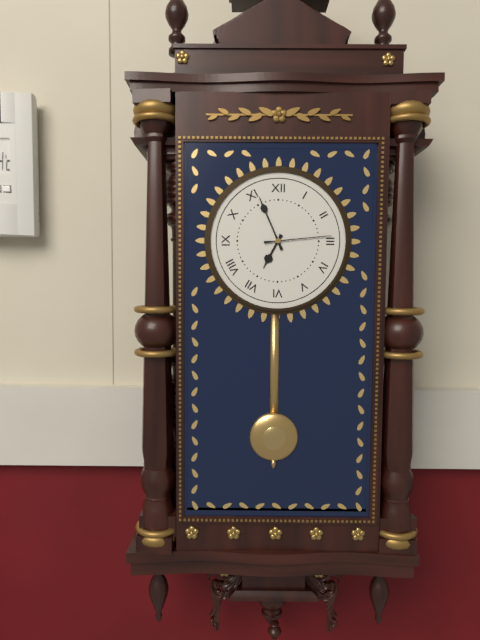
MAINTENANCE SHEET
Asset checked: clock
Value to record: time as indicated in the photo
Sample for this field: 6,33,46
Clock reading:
6,56,14
